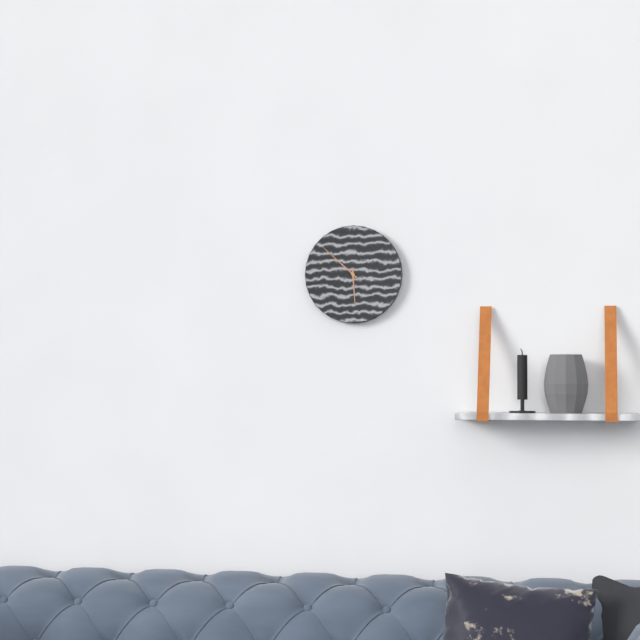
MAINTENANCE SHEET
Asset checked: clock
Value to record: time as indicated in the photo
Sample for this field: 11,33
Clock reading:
5,52
